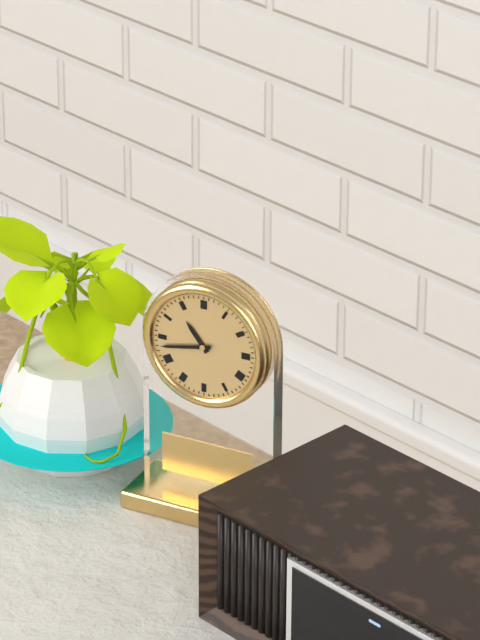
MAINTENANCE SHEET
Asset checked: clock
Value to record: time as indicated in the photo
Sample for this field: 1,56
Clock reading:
10,43
